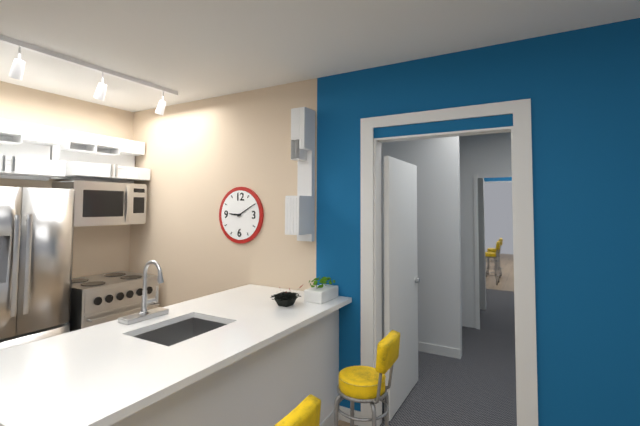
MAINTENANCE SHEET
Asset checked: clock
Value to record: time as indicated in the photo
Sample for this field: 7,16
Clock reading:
9,10
